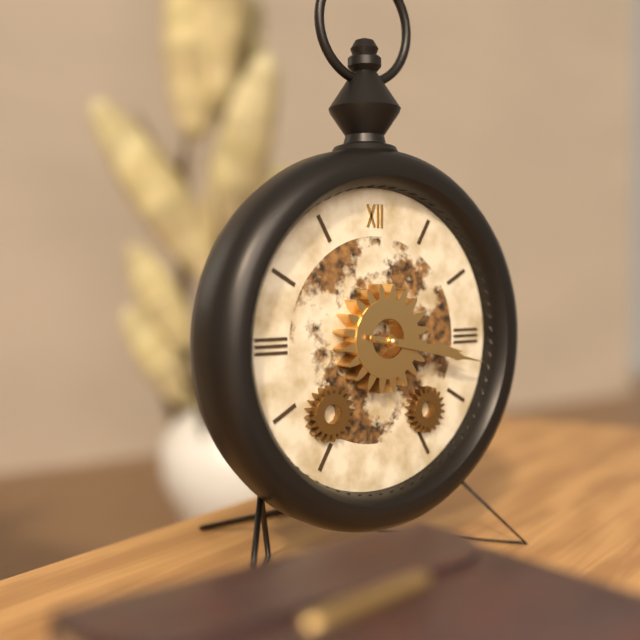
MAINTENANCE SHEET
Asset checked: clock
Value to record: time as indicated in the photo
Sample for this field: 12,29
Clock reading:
3,17
